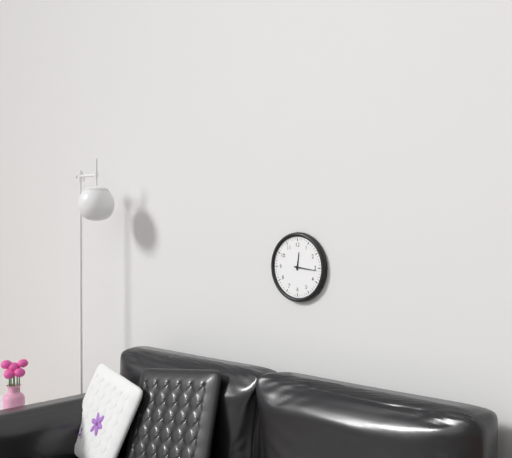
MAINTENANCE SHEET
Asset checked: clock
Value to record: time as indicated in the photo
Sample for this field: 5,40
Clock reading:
12,16
